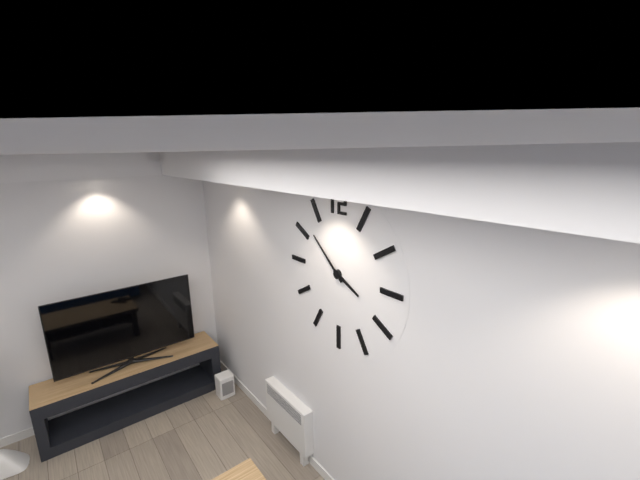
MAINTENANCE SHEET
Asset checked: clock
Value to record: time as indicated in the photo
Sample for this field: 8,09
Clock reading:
3,52
